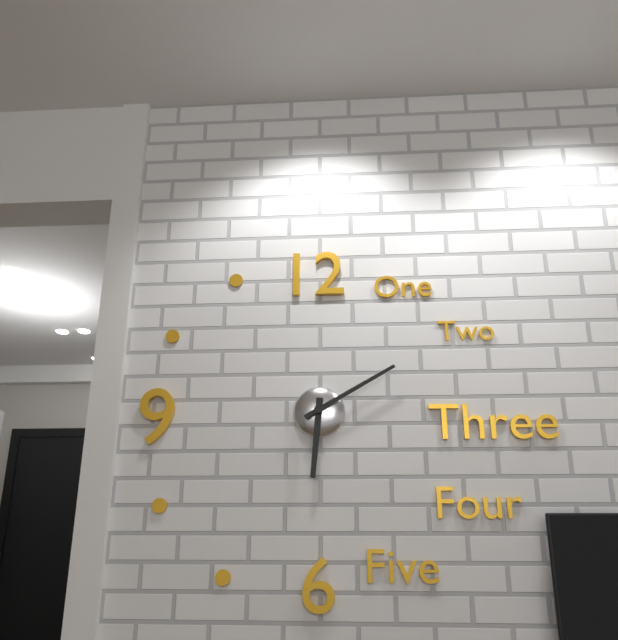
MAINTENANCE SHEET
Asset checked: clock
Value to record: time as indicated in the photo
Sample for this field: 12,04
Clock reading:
6,10
